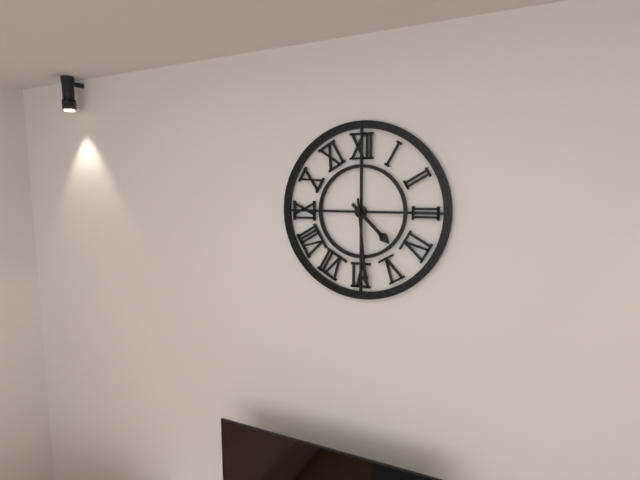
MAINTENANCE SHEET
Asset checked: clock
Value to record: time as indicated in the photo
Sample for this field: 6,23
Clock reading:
4,29
